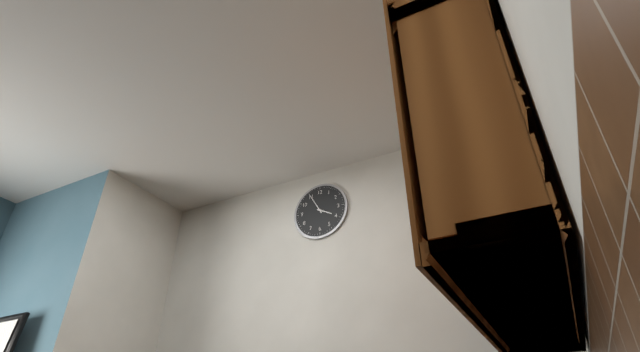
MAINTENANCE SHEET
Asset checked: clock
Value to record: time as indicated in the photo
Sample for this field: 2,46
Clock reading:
3,55
